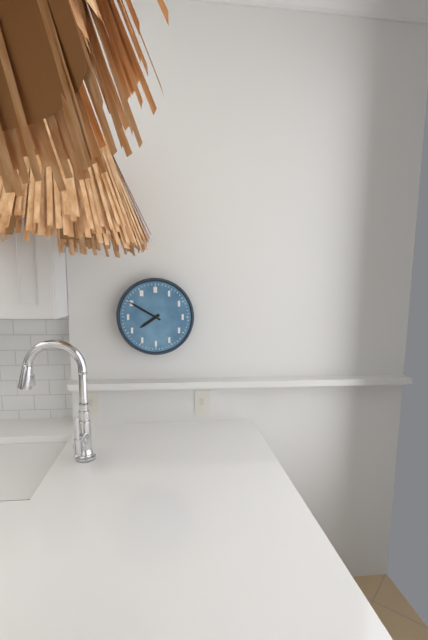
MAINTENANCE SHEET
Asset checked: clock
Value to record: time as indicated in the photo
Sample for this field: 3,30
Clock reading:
7,50
